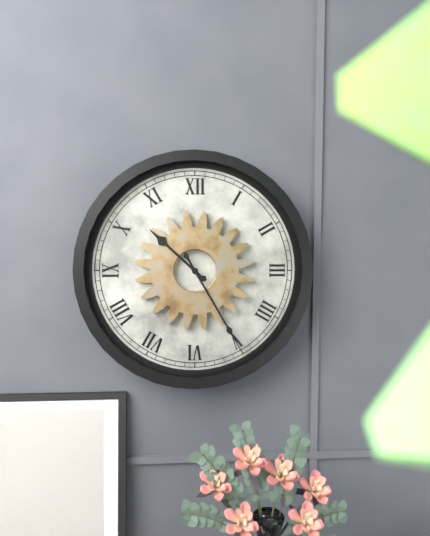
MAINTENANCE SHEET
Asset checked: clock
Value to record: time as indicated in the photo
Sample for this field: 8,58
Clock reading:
10,25
